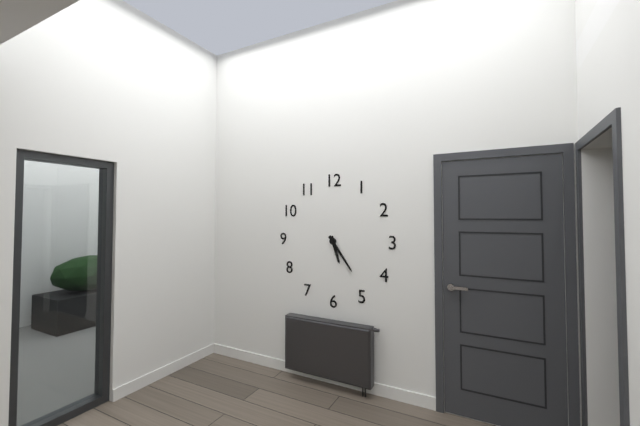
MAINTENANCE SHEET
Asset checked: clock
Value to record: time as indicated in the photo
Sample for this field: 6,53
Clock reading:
5,24
